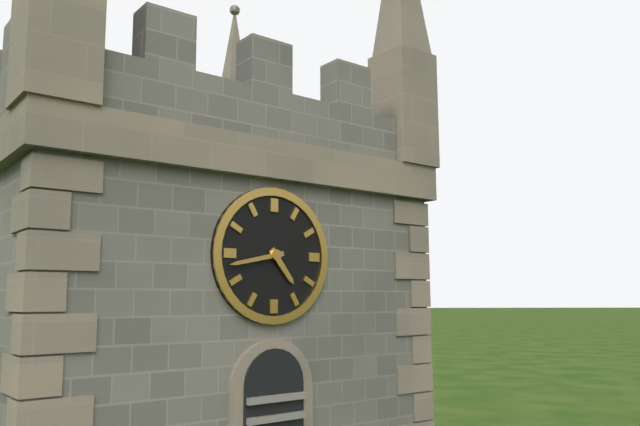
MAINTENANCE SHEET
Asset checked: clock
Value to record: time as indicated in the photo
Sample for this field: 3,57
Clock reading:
4,43
